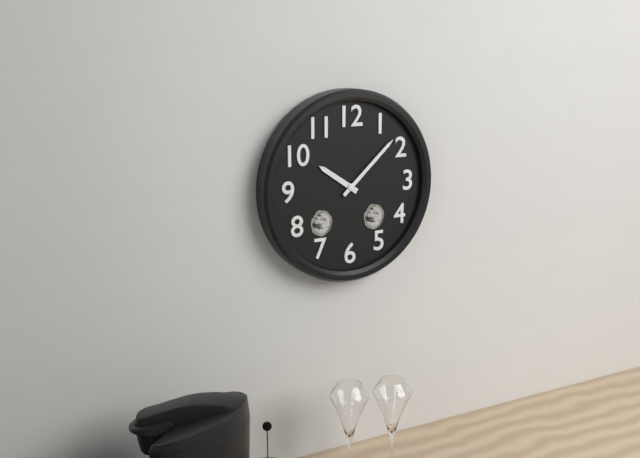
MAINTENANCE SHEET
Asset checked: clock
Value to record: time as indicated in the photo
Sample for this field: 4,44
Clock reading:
10,08
